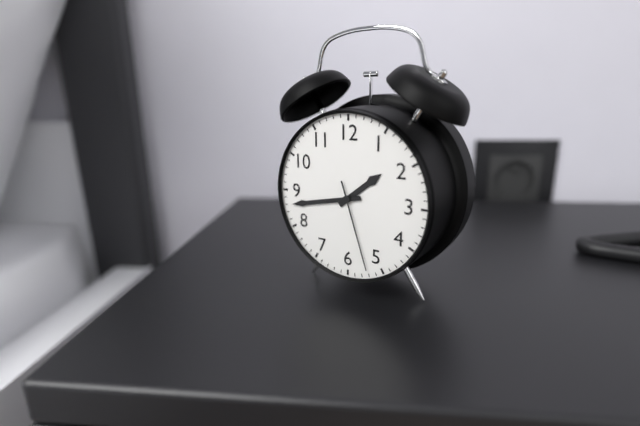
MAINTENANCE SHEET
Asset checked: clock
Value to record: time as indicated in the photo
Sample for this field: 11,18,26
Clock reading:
1,43,27
